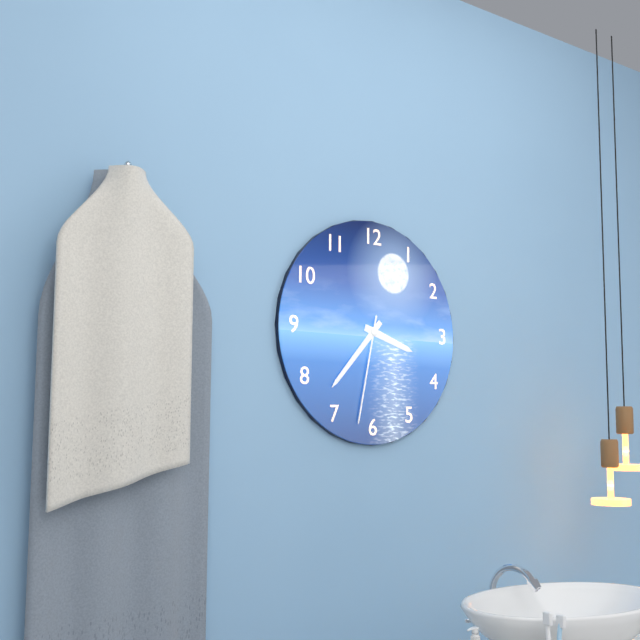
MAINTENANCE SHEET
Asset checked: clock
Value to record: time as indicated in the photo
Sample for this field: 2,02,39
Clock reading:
3,37,32
